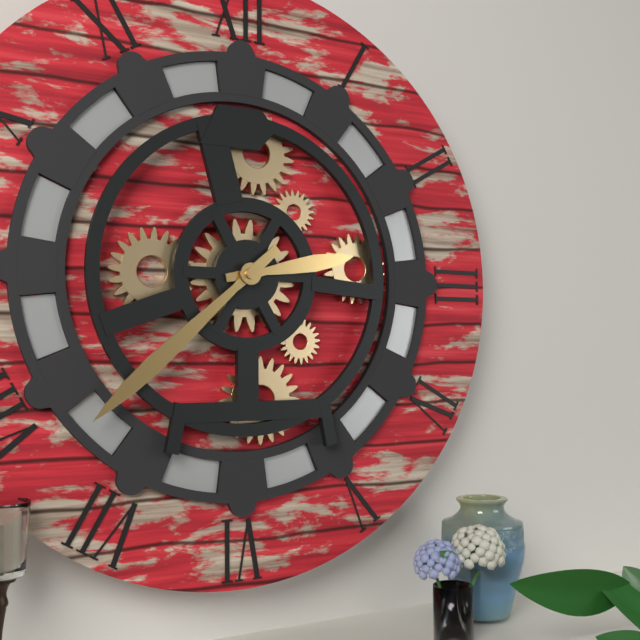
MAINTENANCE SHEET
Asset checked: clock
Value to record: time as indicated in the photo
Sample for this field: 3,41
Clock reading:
2,38
